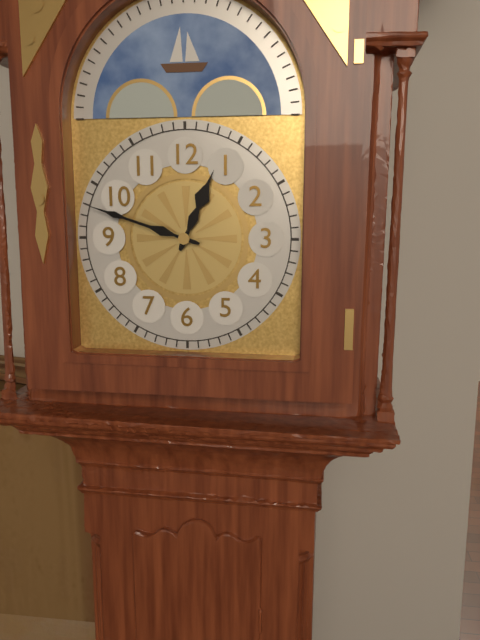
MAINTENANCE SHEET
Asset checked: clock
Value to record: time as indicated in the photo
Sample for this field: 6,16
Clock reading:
12,48
